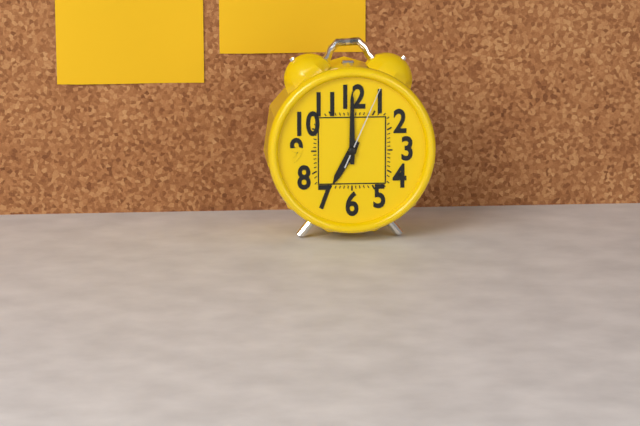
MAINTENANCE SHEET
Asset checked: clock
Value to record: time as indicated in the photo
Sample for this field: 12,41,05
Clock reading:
7,00,04
